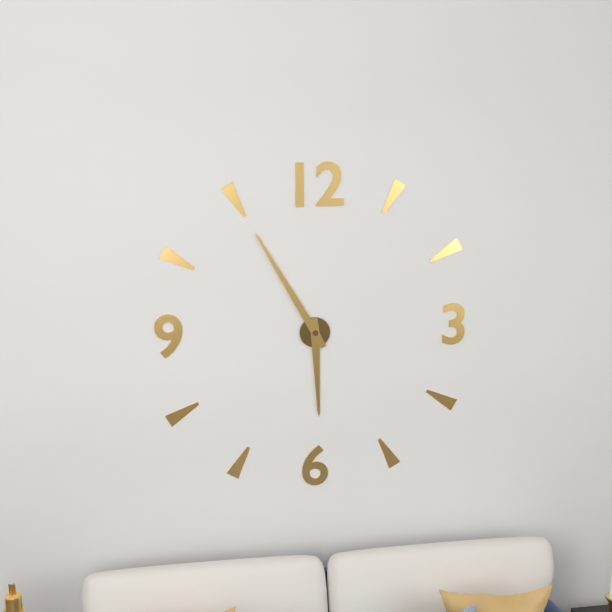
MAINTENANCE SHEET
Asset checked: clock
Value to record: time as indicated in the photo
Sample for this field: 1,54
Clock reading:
5,55
